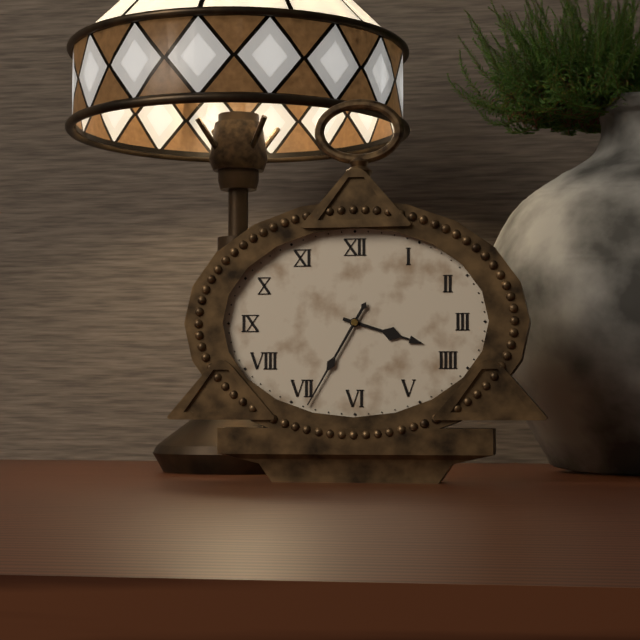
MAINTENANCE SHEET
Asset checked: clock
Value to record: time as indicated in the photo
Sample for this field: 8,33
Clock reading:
3,35
